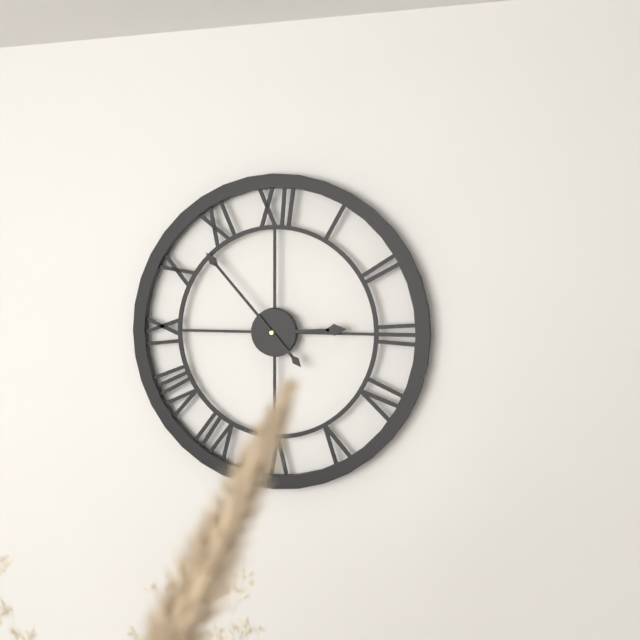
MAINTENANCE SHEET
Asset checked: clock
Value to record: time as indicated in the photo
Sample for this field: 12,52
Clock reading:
2,53
